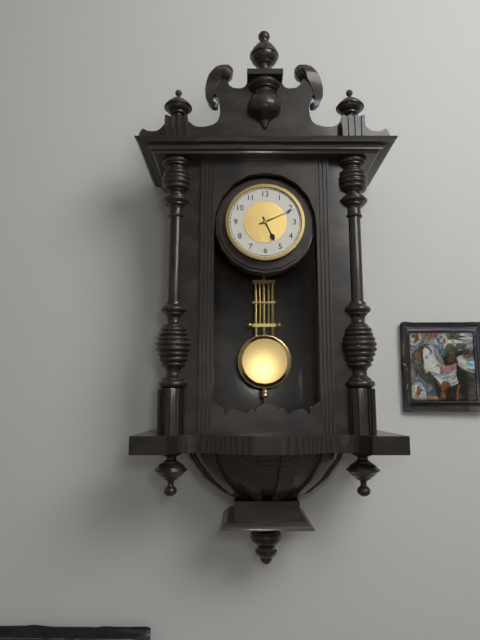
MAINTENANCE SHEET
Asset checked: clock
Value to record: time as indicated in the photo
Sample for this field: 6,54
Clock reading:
5,11
